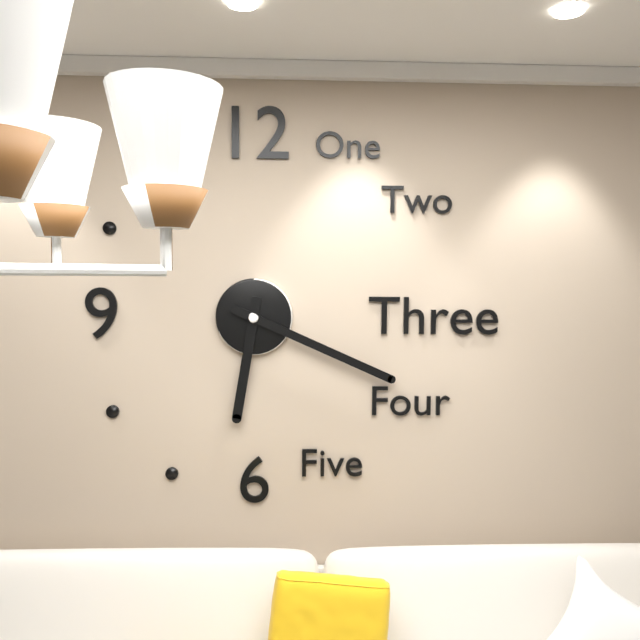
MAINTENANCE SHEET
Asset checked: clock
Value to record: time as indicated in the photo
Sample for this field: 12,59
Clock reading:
6,19
